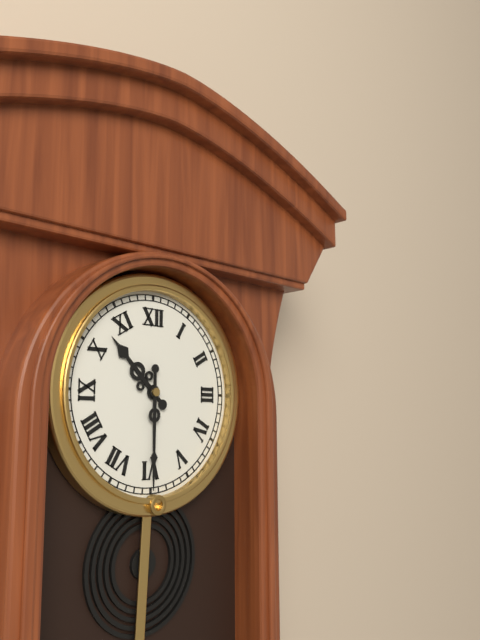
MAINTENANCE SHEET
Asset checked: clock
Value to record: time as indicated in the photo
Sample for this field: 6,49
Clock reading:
10,30
